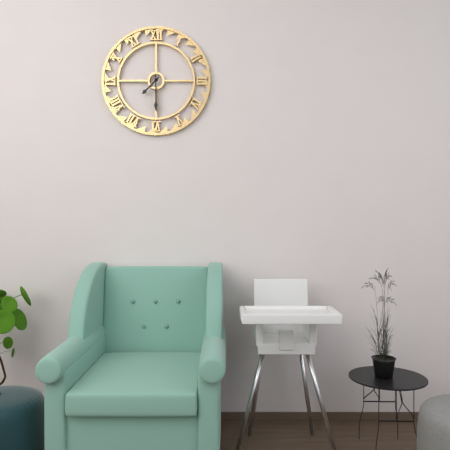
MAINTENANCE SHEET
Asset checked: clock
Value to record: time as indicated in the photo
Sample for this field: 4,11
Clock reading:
7,30
